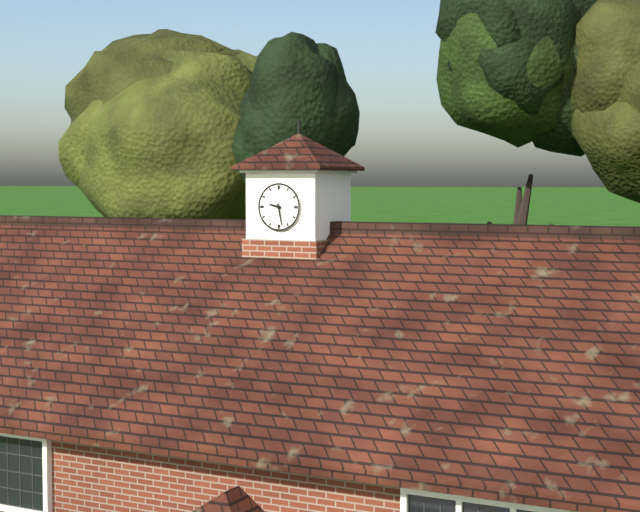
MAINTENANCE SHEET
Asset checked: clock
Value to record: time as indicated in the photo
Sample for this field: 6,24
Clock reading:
9,28
